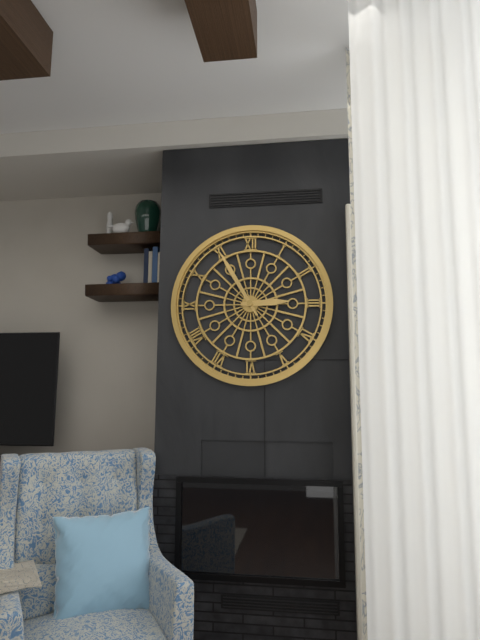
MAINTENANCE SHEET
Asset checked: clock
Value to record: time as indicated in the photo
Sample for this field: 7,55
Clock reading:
2,55
